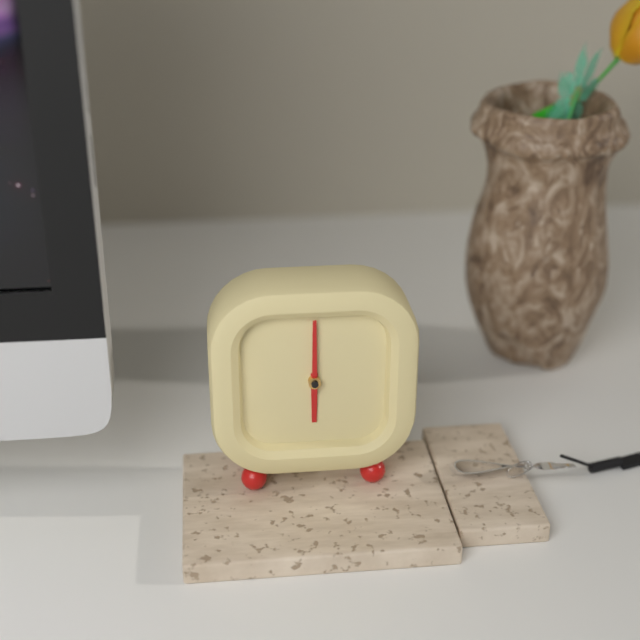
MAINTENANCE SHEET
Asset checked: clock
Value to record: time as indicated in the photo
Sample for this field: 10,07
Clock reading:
6,00
